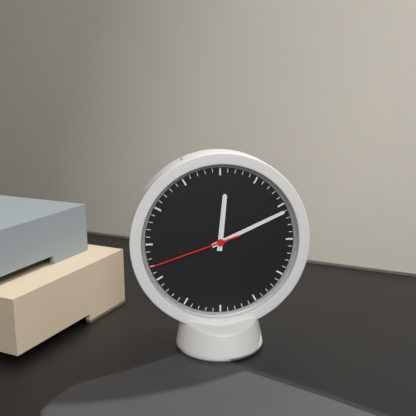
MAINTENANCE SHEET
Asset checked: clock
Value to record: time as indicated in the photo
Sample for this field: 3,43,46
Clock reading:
12,11,42
